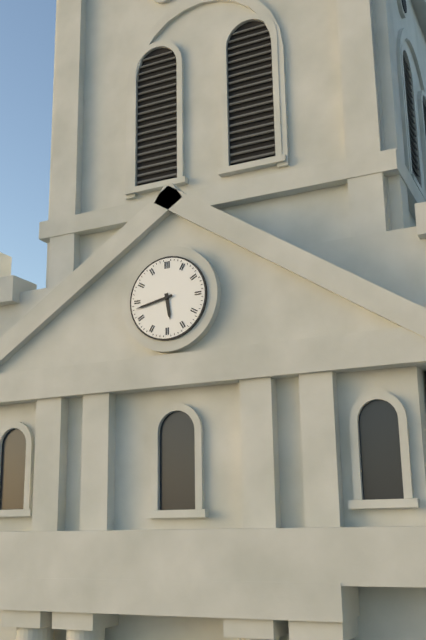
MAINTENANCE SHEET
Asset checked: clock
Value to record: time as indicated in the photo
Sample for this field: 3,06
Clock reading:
5,43
